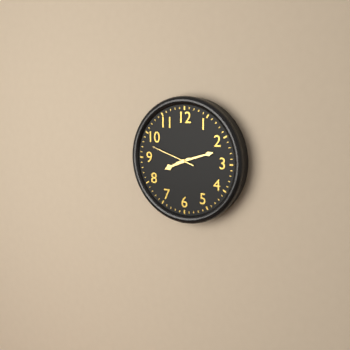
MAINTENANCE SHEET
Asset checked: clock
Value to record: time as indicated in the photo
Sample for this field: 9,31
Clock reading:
8,12
